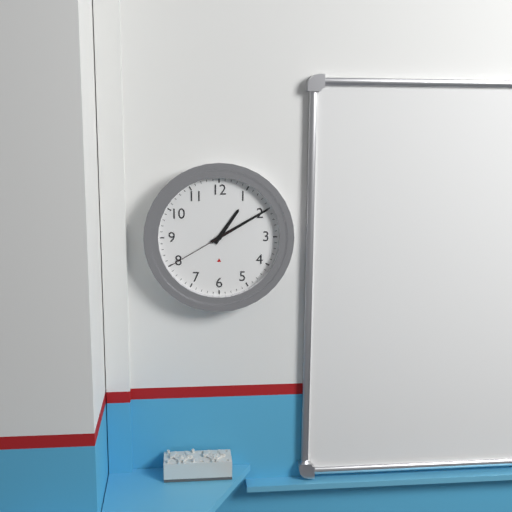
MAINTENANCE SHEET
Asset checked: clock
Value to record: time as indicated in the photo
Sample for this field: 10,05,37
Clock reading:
1,10,40
